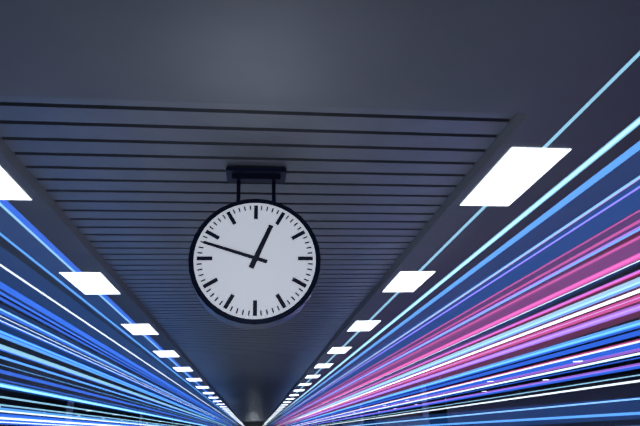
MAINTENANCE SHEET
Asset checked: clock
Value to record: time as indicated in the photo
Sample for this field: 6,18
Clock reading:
12,48
